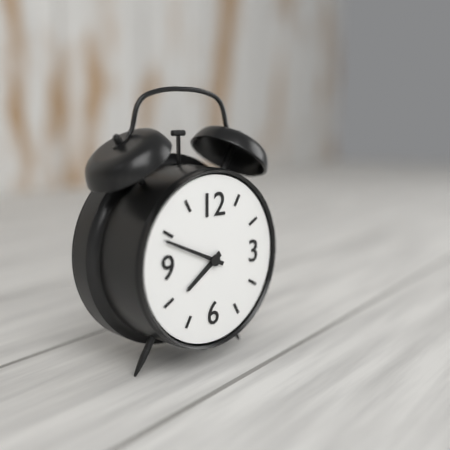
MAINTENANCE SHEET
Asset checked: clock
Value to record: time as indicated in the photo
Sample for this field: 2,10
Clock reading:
7,49
